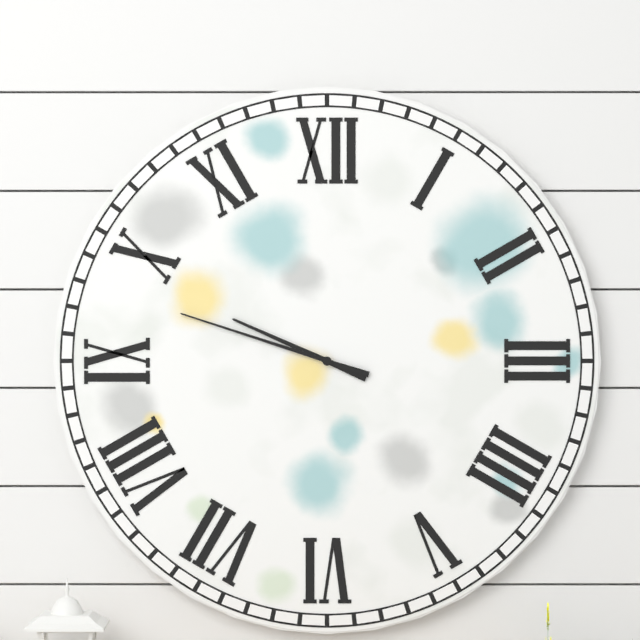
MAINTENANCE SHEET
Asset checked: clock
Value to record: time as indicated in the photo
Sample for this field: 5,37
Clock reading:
9,48
